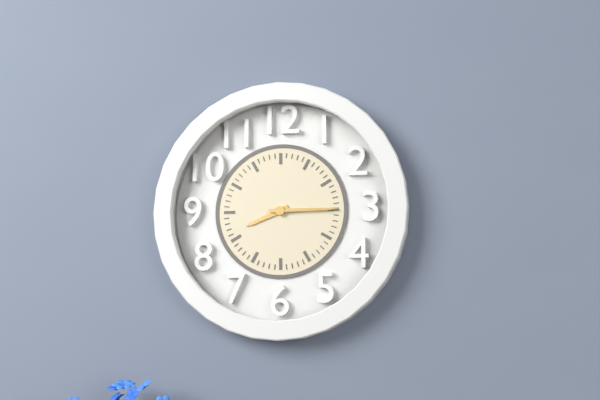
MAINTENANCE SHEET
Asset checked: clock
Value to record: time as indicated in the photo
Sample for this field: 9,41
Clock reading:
8,15
